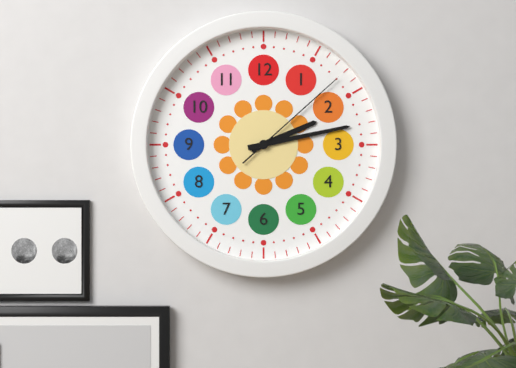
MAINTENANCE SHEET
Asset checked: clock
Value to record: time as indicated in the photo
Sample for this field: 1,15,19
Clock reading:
2,13,08
